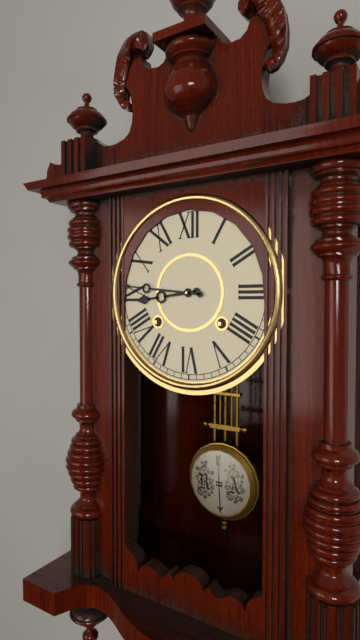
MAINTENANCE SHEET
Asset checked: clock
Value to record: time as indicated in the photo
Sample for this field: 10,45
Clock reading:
8,46
